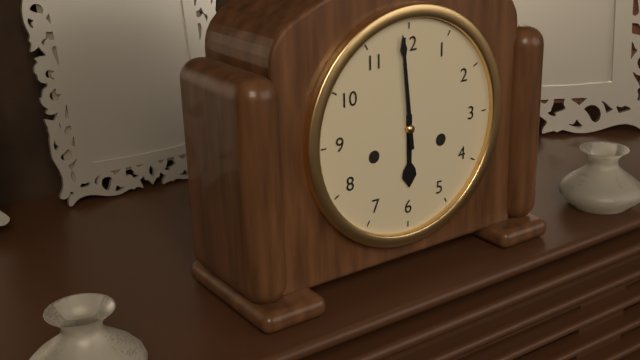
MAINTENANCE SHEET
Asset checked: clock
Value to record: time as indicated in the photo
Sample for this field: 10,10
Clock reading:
5,59
